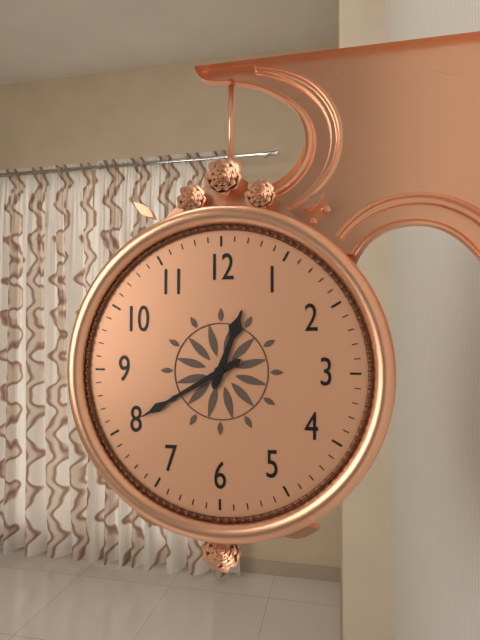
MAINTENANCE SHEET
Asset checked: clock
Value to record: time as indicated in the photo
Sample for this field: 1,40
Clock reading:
12,40
